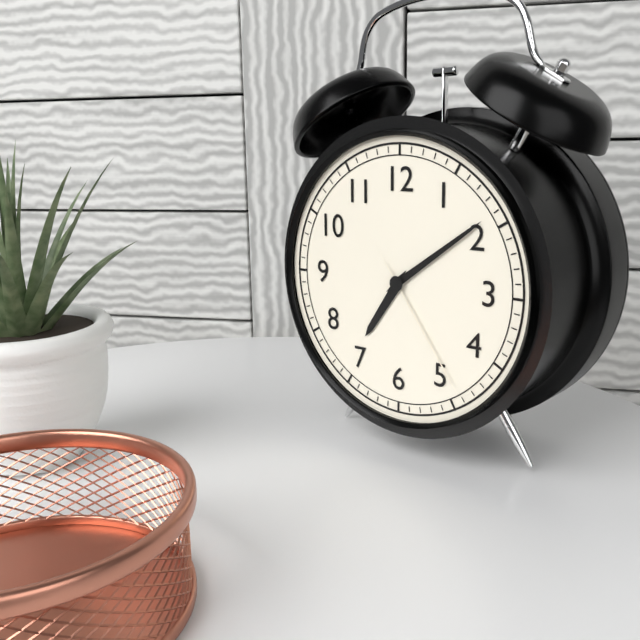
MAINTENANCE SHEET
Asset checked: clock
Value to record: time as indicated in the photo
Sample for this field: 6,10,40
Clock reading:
7,09,24
